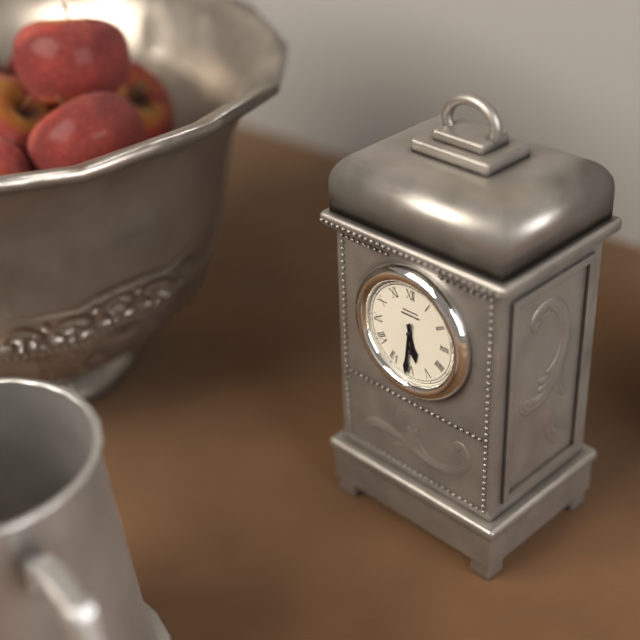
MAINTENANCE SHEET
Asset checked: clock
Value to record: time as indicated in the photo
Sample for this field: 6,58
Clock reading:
5,31
